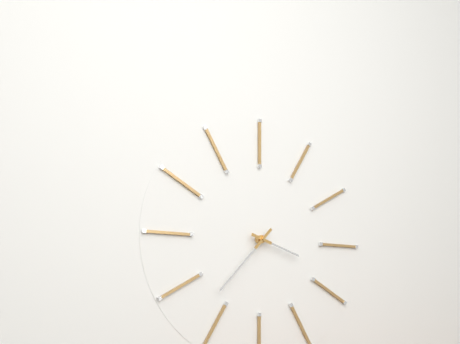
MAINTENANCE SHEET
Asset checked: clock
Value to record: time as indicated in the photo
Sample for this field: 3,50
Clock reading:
3,37
